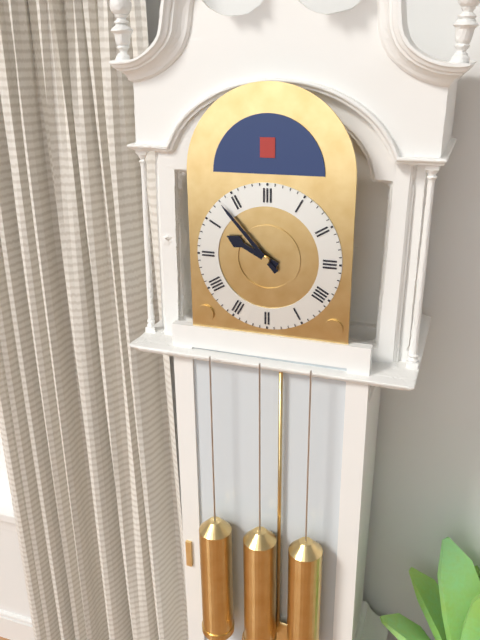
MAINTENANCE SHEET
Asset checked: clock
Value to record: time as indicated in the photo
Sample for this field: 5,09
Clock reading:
9,53
